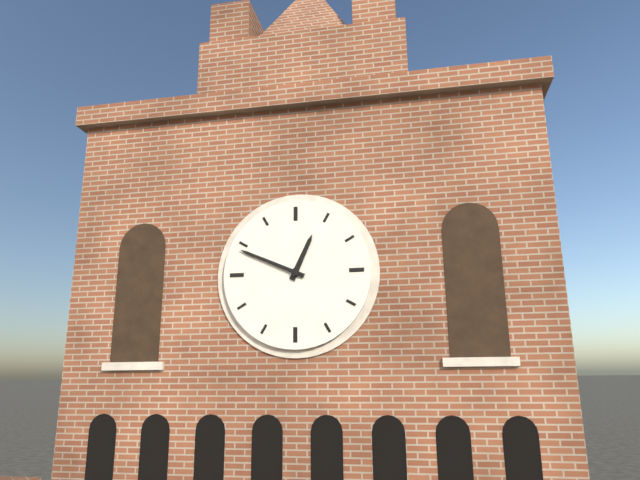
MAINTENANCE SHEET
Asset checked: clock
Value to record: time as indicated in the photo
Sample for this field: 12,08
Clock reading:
12,49
